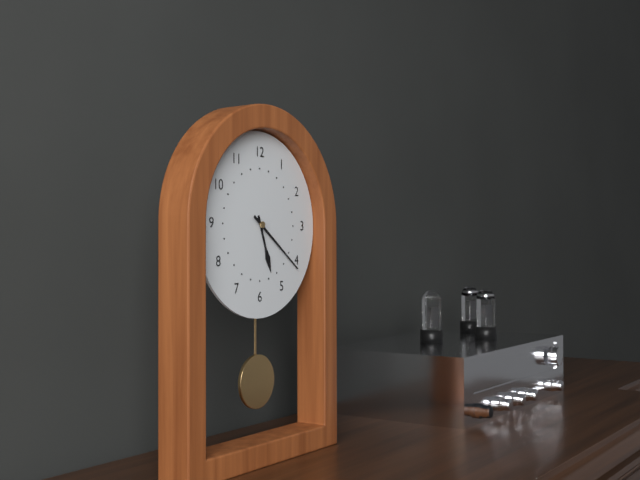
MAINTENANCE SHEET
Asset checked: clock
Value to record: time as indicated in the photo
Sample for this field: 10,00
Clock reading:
5,21
